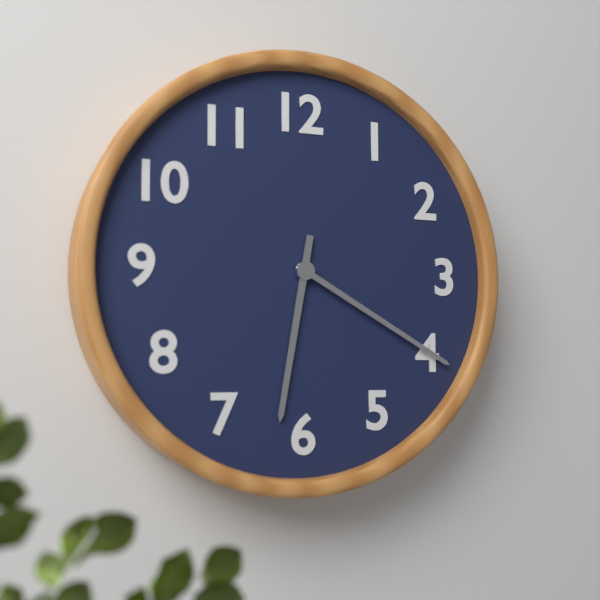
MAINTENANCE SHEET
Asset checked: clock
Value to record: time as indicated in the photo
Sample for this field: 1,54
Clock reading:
6,20
